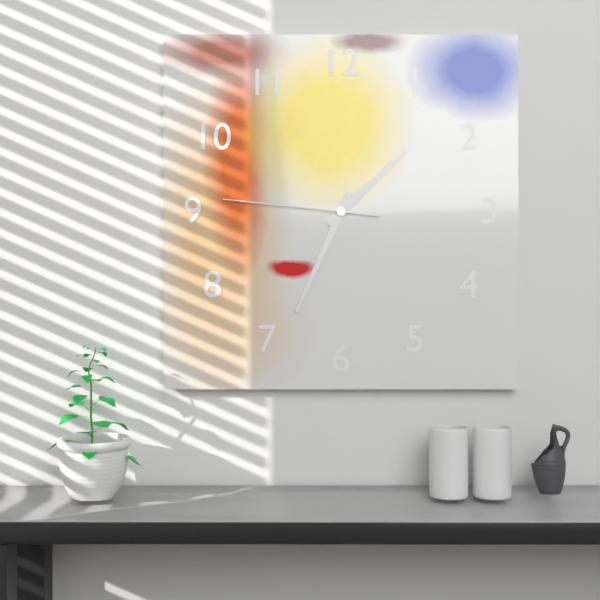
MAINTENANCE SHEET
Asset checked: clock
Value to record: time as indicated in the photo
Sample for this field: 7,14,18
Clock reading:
1,34,46
